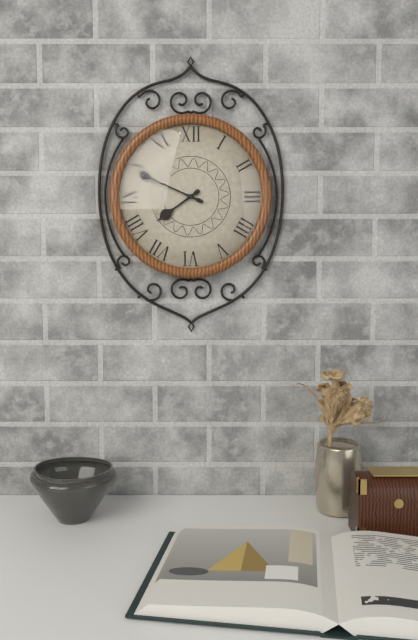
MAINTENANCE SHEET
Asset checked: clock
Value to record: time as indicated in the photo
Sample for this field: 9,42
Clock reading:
7,49
